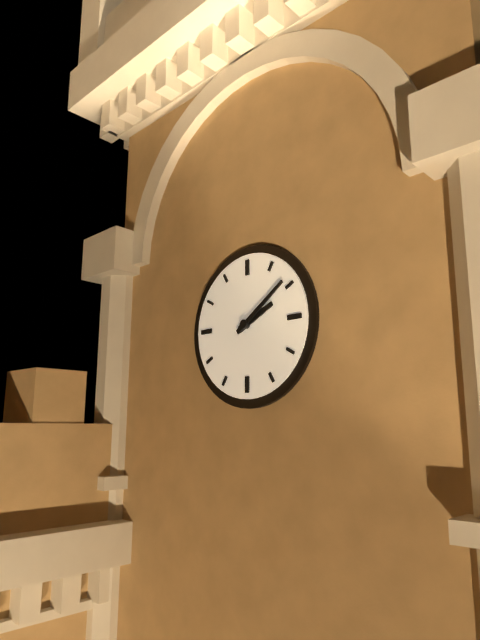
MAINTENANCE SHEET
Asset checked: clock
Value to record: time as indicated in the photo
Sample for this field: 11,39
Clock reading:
2,09
